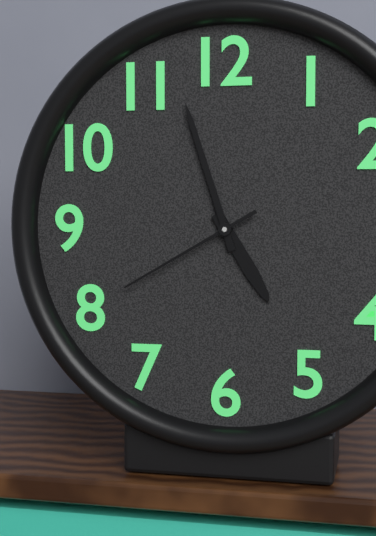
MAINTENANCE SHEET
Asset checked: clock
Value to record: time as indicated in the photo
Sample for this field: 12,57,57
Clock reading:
4,57,40
